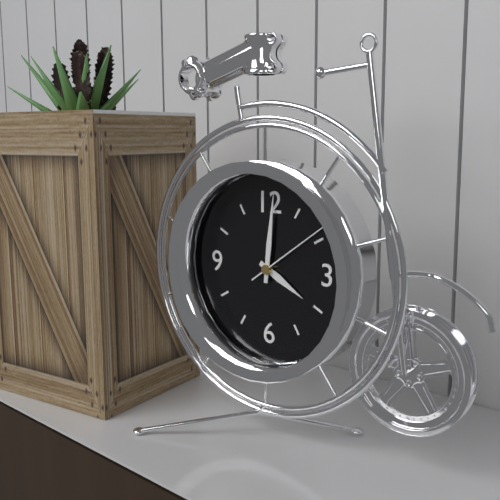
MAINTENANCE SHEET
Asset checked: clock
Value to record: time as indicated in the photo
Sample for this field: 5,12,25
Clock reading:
4,01,09
